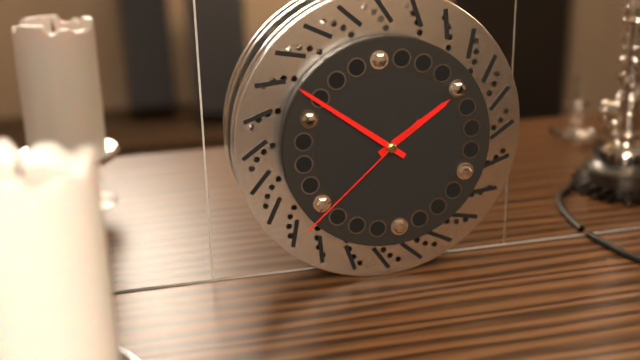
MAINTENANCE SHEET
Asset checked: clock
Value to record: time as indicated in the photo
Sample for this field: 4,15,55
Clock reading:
1,51,38
